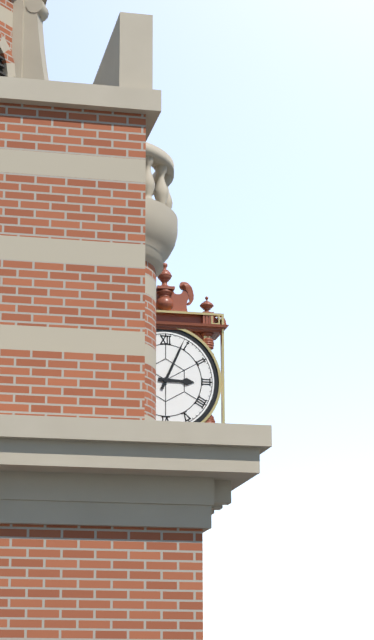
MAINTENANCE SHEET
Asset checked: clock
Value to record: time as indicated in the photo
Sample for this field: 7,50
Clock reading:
3,04
